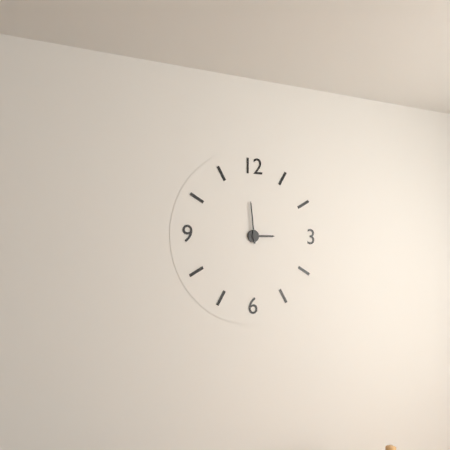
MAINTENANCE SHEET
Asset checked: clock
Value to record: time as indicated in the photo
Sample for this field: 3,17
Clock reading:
2,59
